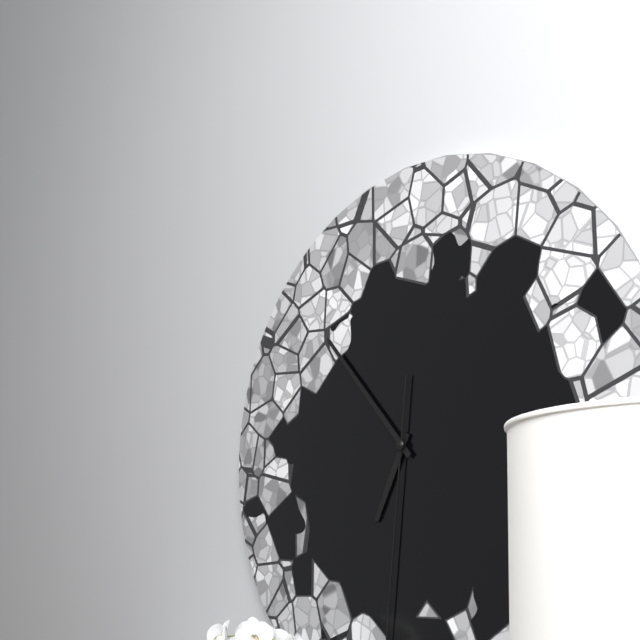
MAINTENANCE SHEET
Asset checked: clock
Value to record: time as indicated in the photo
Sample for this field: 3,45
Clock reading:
6,53
